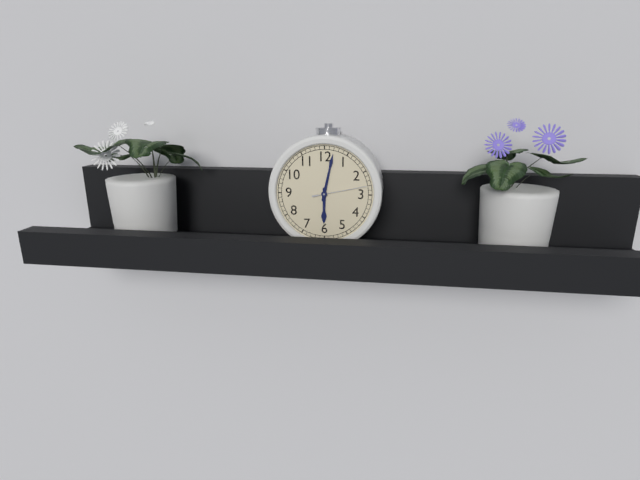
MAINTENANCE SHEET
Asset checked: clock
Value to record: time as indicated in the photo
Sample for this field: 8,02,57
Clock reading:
6,02,13
